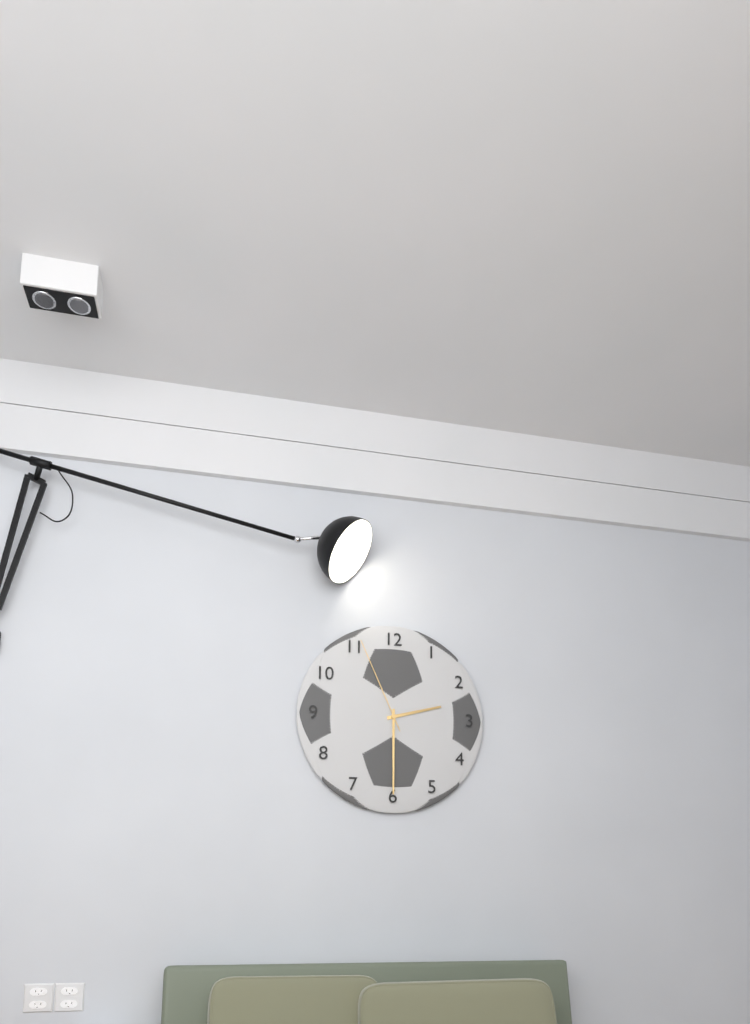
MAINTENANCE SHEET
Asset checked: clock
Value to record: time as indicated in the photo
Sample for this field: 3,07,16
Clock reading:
2,30,56
